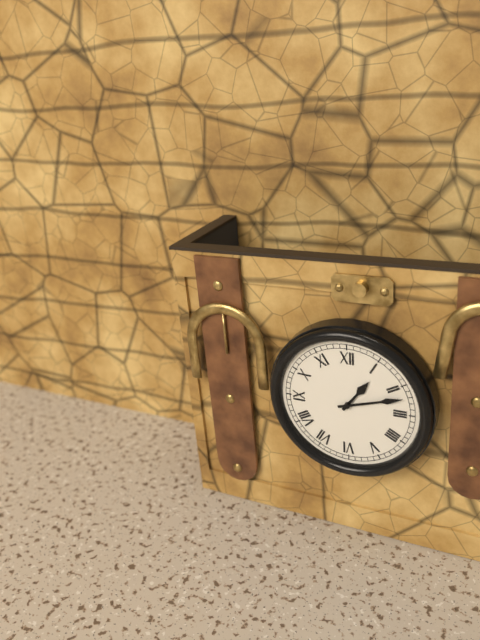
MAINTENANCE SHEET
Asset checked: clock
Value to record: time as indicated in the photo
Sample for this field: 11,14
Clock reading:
1,12
